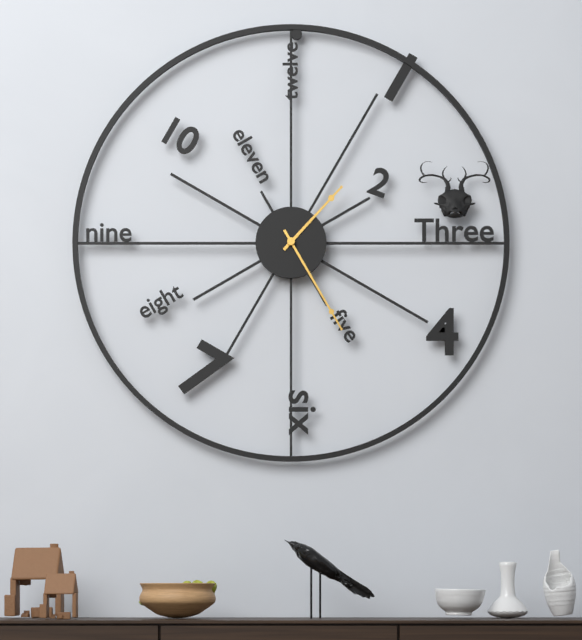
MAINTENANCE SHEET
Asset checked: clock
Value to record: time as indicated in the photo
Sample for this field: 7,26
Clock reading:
1,25
